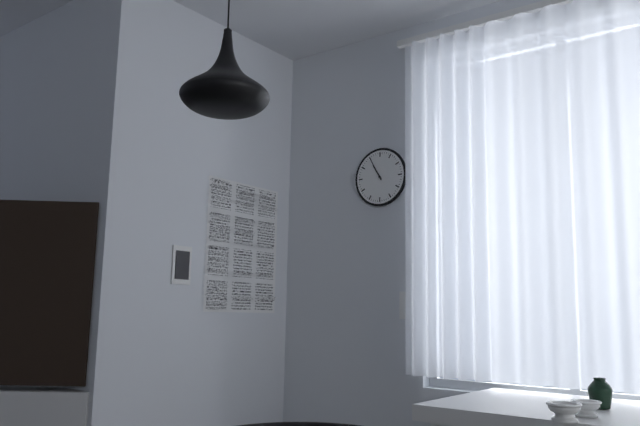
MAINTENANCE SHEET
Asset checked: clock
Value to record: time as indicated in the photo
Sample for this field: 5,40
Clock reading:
10,55
